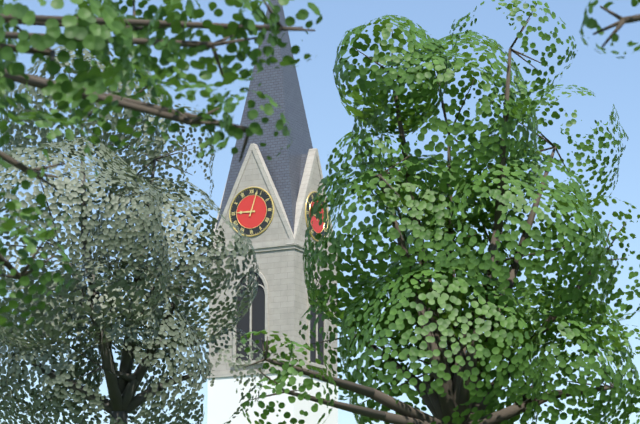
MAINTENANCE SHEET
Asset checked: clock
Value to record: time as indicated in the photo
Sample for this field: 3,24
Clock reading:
9,03
